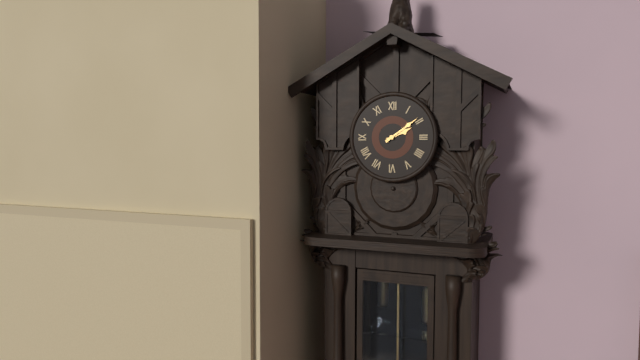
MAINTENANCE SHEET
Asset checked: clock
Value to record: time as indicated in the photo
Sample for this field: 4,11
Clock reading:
2,09
